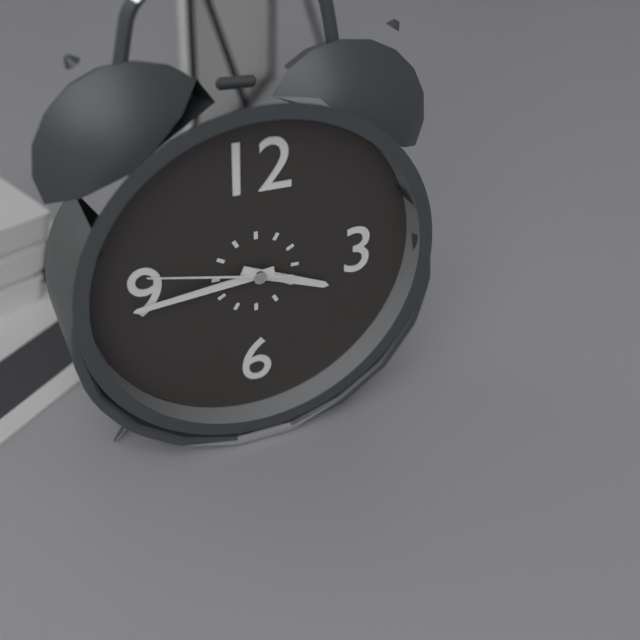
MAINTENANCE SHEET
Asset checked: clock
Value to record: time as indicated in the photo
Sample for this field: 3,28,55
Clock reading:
3,44,47
